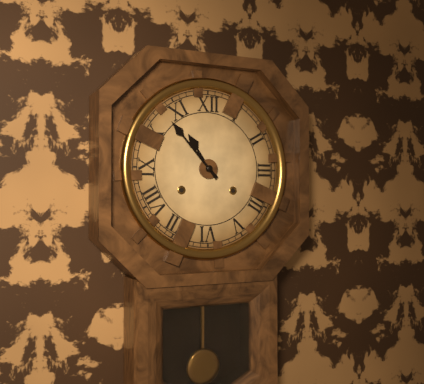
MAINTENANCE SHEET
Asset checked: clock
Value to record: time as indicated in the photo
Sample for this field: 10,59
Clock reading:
10,53
